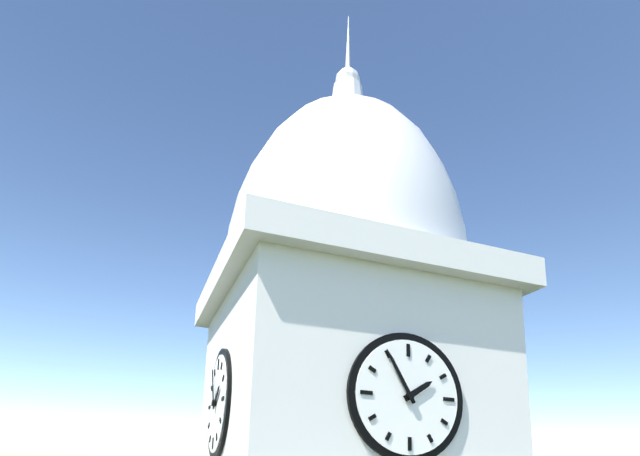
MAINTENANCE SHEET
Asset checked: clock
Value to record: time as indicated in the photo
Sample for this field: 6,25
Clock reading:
1,55
